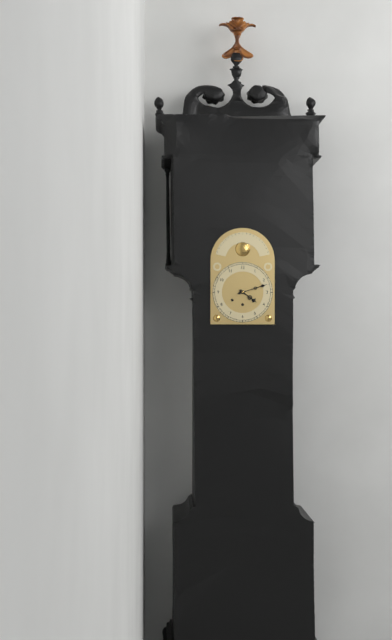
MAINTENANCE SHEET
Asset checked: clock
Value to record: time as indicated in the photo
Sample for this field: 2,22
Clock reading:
4,12
